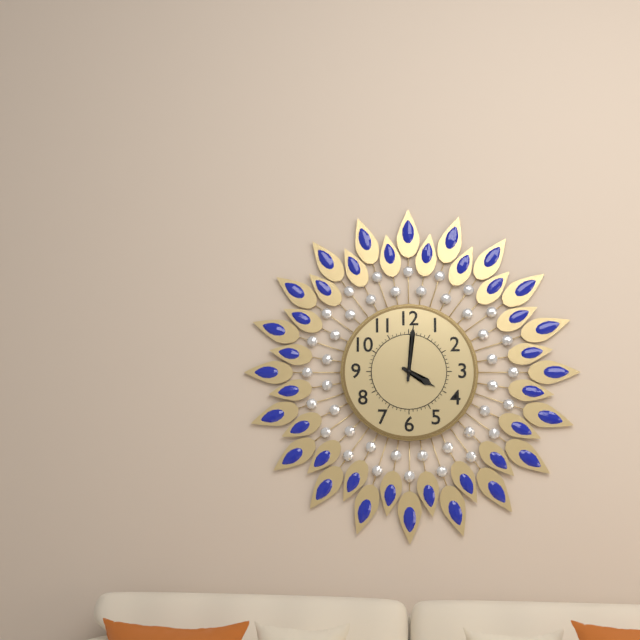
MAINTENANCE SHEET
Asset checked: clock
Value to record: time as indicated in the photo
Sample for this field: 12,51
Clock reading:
4,01
